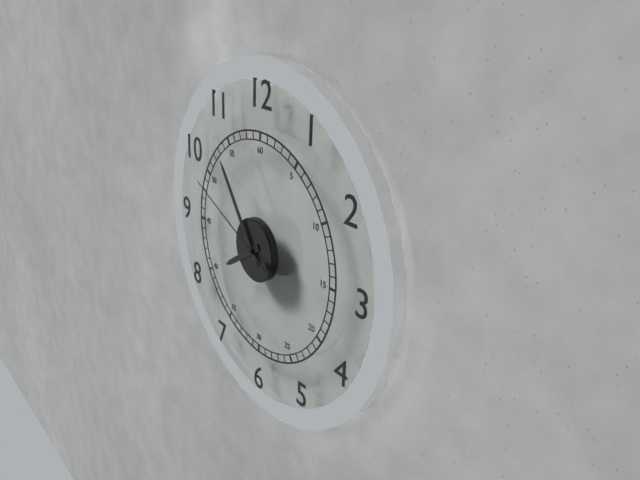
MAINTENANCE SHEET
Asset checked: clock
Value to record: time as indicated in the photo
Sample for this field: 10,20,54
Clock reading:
7,54,49
